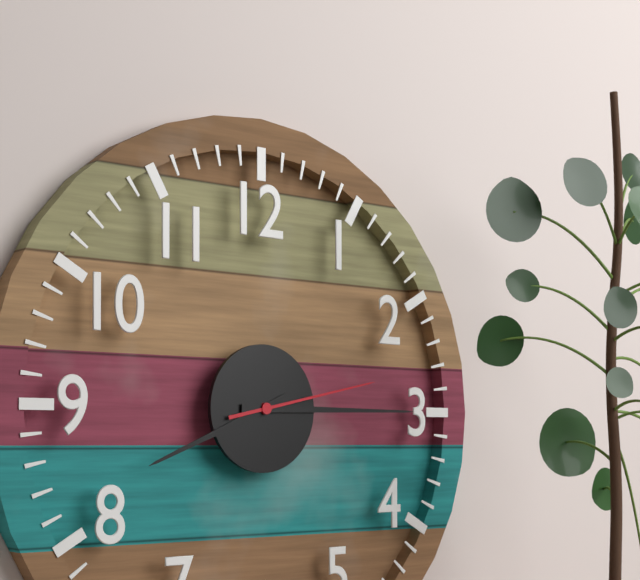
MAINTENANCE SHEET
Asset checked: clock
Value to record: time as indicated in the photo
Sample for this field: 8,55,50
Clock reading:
8,15,13
